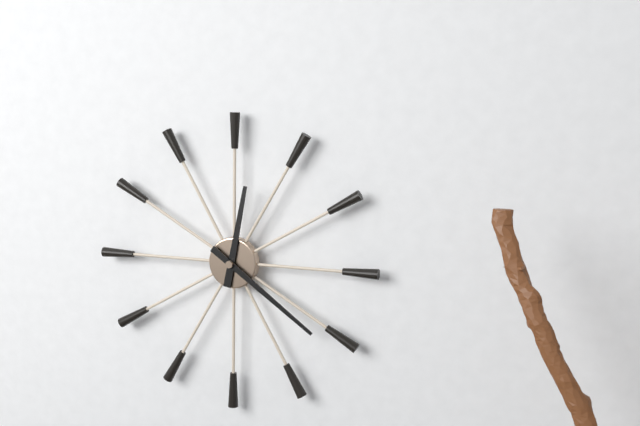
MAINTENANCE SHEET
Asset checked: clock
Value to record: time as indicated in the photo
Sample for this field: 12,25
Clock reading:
12,21
